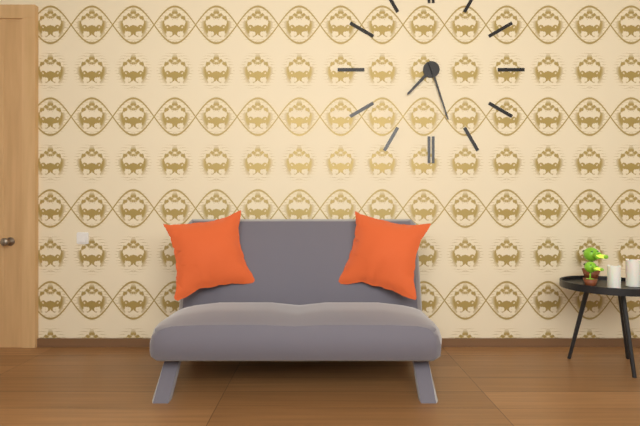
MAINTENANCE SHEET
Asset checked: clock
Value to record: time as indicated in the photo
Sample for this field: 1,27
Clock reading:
7,27
